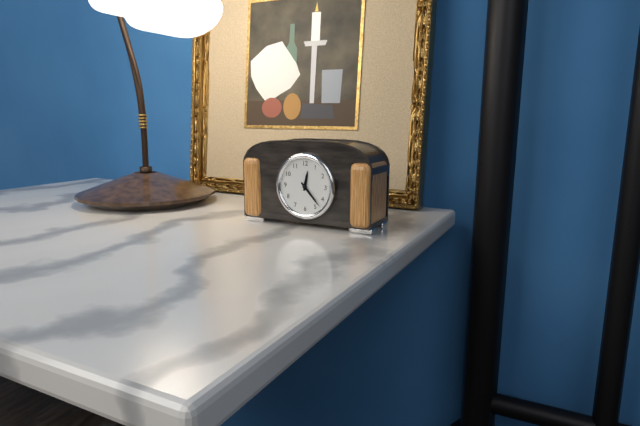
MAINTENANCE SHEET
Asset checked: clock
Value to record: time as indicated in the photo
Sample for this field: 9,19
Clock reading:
12,23
